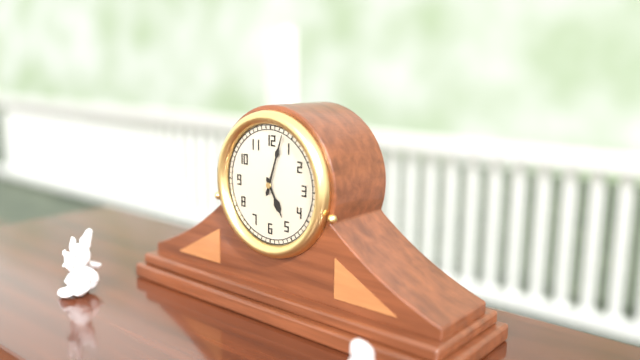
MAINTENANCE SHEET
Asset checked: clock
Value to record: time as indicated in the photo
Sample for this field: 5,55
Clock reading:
5,03
